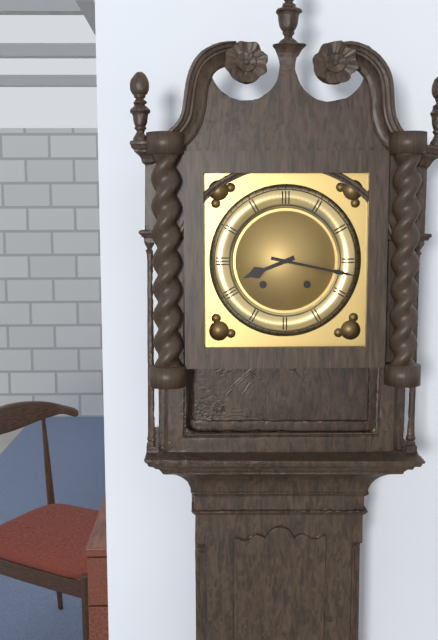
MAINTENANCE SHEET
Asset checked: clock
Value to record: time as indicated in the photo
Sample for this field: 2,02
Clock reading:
8,17
